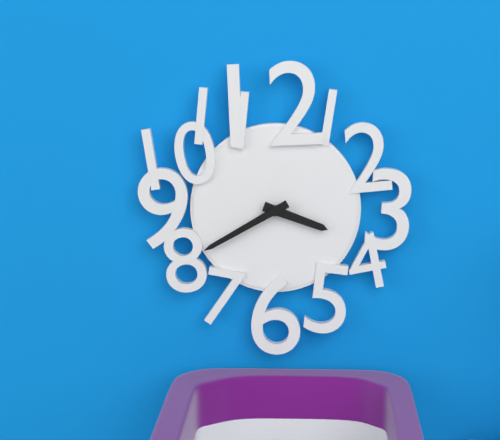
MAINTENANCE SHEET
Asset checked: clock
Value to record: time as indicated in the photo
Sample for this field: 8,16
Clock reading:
3,40
